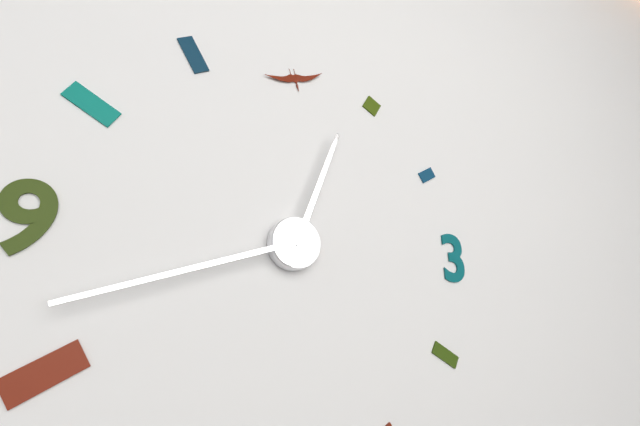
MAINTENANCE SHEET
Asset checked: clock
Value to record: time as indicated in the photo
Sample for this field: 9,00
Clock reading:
12,42
